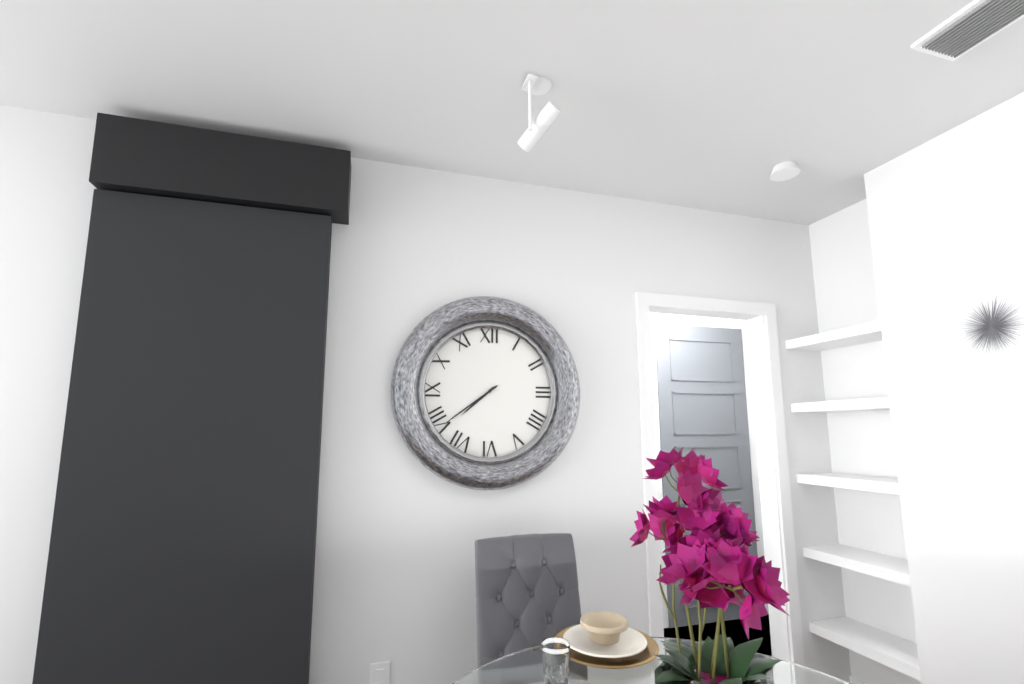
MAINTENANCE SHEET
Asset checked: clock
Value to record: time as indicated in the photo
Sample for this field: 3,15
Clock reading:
7,39
